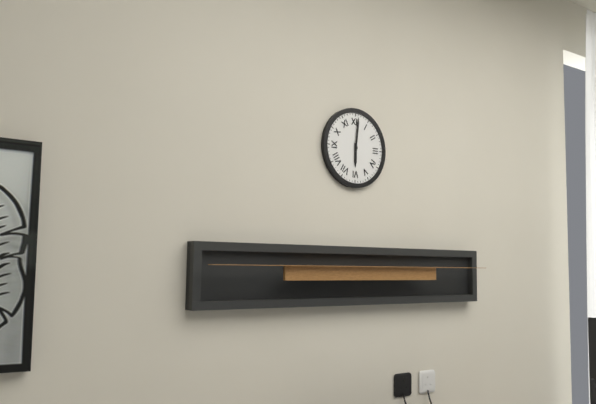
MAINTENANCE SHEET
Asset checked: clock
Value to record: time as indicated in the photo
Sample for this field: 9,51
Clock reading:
6,01
